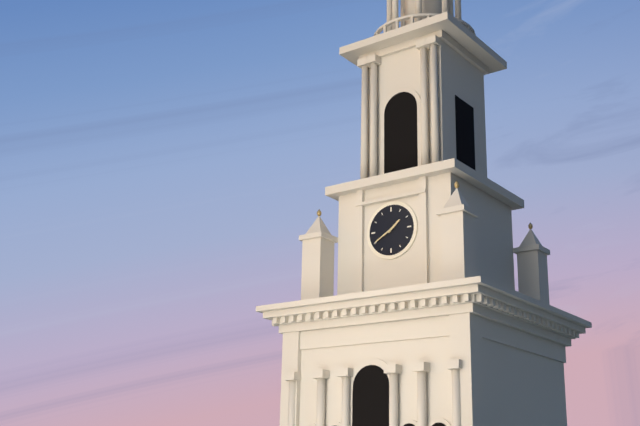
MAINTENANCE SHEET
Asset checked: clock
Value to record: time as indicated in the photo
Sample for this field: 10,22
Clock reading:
1,40
